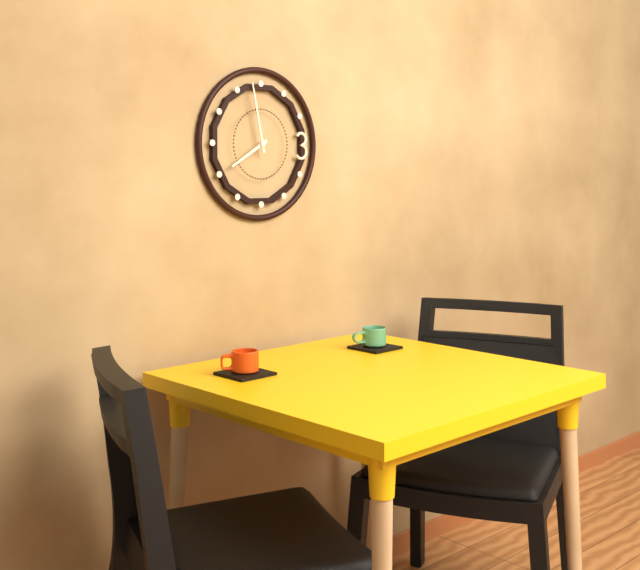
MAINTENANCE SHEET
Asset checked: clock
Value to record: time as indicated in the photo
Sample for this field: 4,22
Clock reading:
7,58
